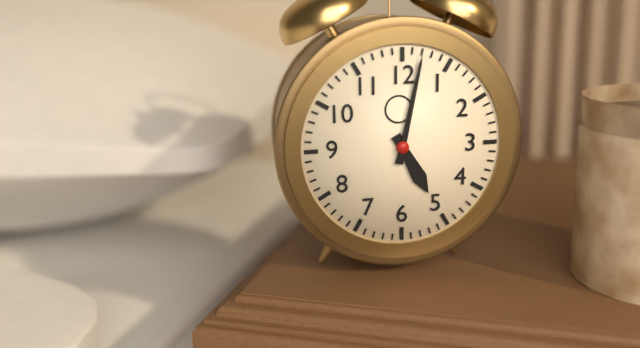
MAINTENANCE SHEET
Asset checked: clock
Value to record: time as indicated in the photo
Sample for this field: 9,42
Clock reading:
5,02
